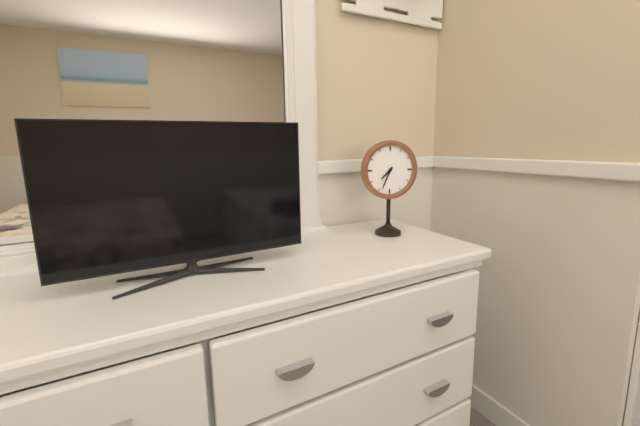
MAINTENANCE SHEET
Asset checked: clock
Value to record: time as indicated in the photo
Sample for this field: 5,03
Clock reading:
7,34
